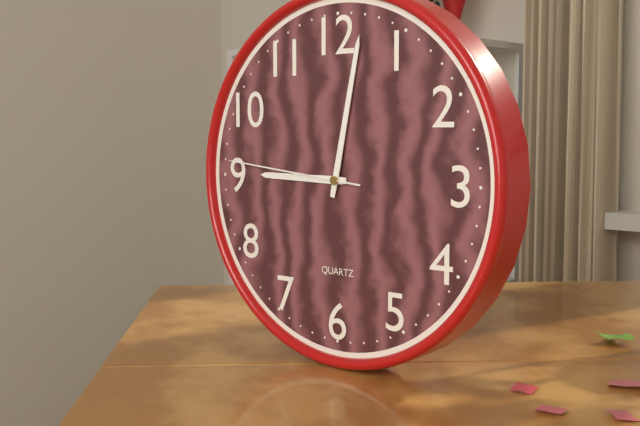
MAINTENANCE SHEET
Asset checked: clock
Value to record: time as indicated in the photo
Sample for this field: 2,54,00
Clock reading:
9,02,46
